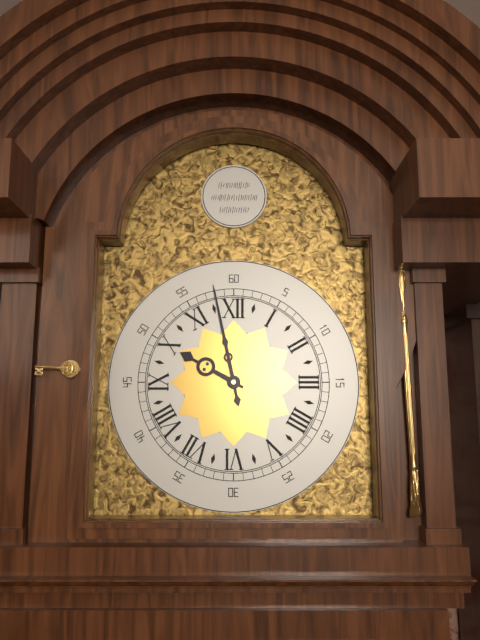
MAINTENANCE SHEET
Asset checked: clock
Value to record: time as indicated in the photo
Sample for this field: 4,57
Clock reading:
9,58
